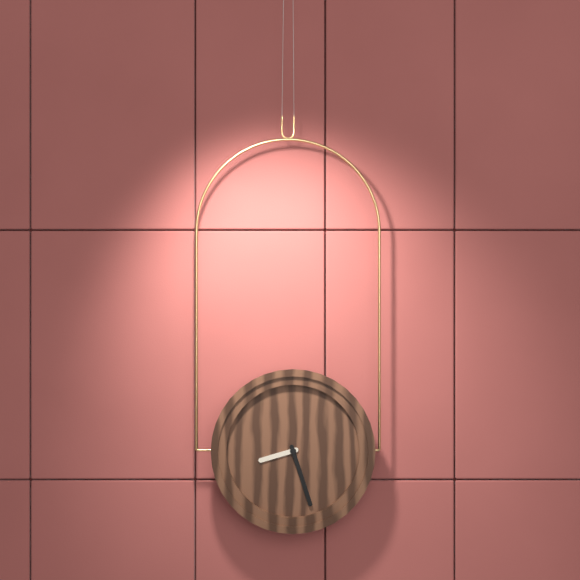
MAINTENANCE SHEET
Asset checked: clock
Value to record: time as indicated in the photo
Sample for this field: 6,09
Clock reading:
8,27
